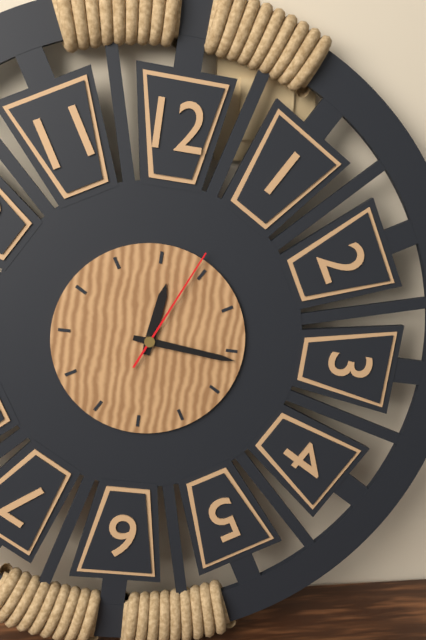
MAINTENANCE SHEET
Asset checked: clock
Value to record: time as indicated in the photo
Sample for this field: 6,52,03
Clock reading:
12,16,04
